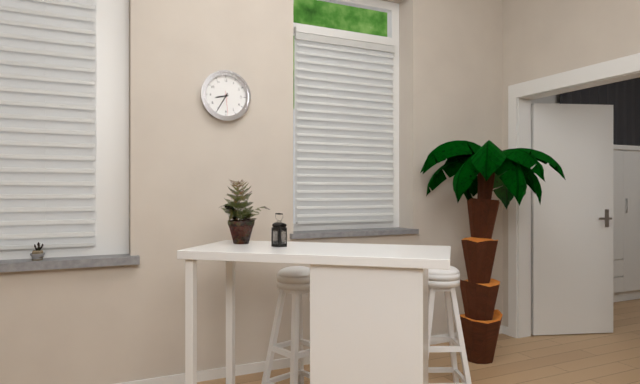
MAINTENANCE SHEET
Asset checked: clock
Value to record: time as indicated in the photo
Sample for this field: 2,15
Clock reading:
8,35
